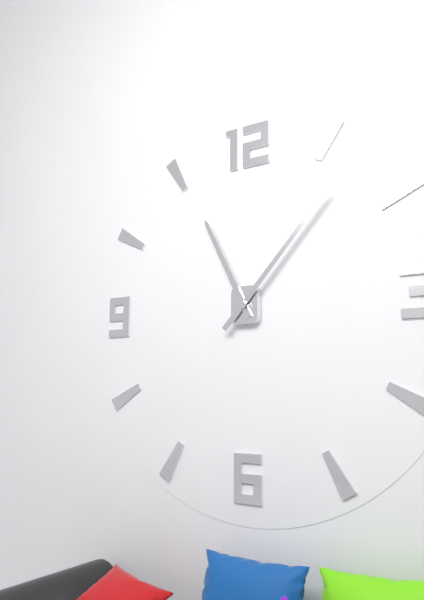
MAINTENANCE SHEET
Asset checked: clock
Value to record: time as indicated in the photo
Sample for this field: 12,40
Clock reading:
11,07
